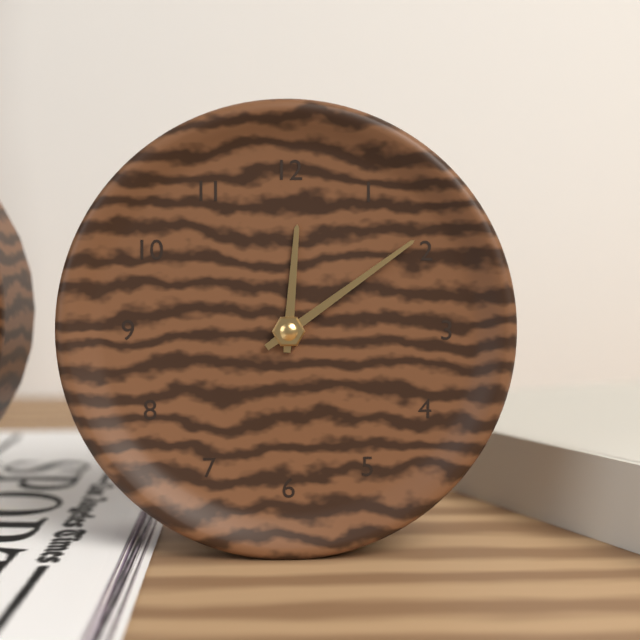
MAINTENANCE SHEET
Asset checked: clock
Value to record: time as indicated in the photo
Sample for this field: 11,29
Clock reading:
12,09
